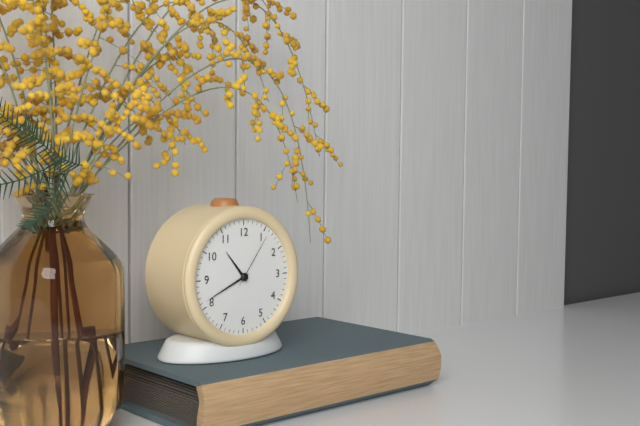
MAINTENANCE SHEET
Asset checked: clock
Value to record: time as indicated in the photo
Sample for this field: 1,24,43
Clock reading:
10,41,06
